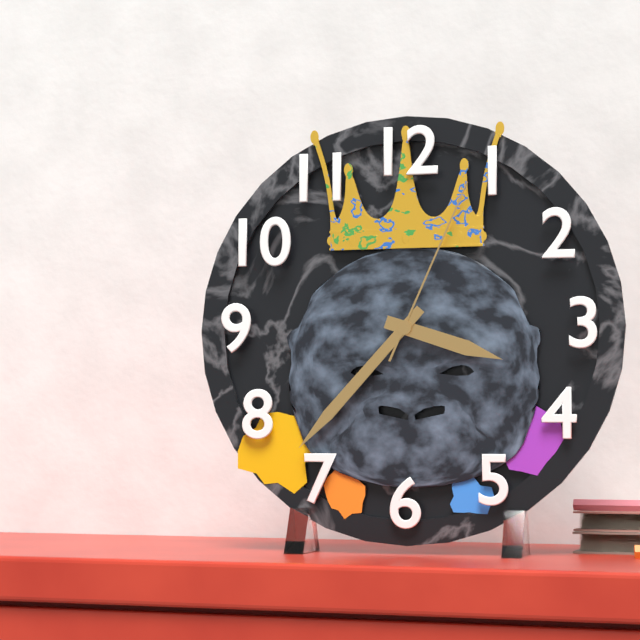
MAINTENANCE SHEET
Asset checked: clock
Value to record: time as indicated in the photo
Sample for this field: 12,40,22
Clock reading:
3,37,04
